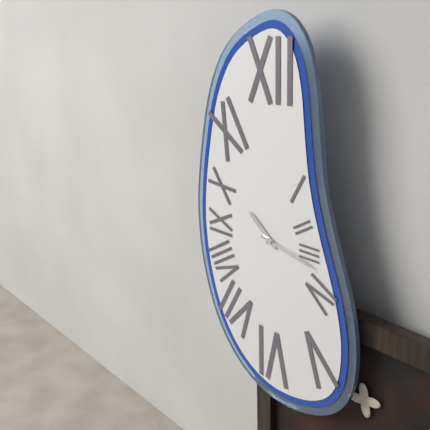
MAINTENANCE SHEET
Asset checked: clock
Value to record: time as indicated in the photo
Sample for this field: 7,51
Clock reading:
10,17
